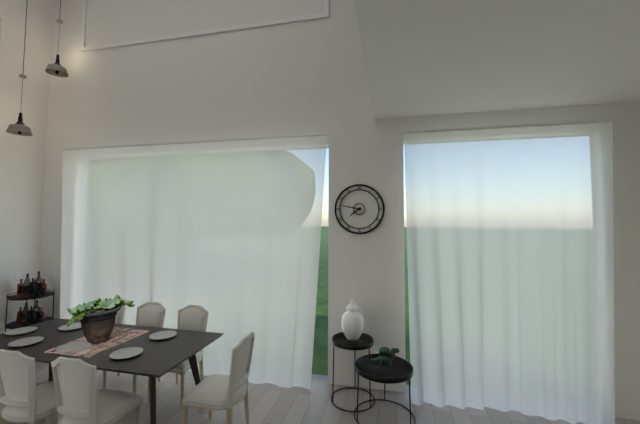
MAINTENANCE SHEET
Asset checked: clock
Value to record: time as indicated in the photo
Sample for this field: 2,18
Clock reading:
7,47
